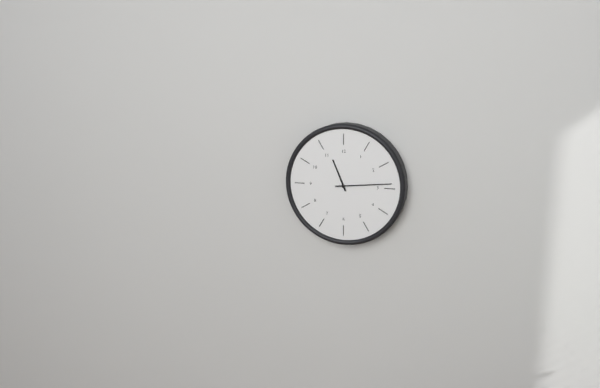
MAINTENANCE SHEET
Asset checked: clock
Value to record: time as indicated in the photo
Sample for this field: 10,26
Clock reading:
11,14
